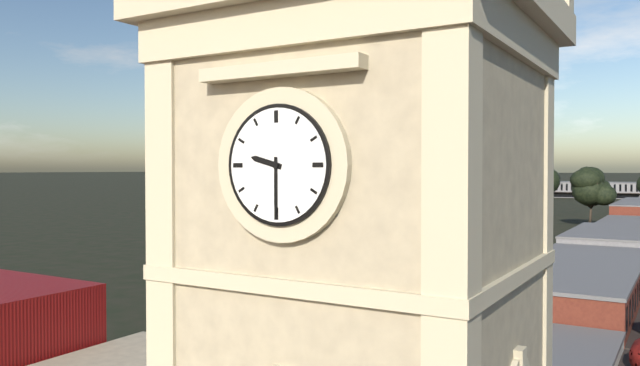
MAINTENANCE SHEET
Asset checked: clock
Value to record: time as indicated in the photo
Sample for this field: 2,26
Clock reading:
9,30
